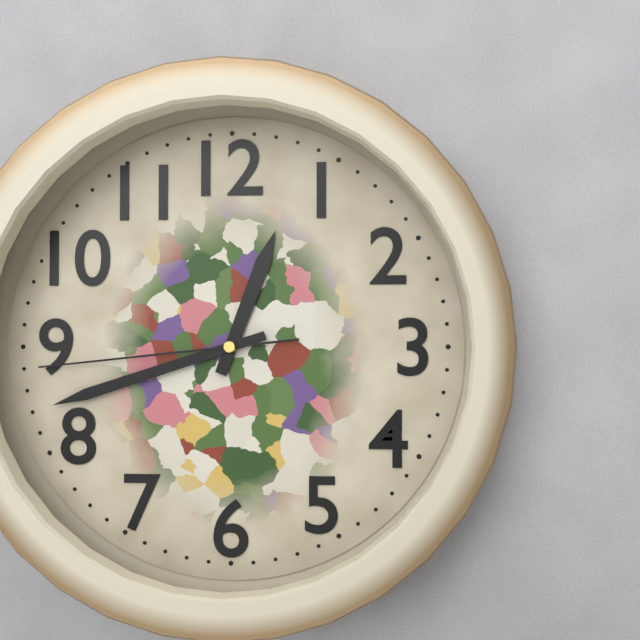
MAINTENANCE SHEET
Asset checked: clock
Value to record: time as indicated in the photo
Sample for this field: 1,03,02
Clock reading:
12,42,44
